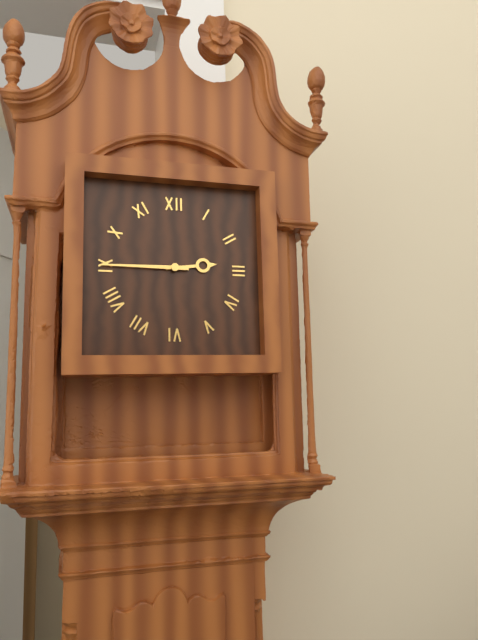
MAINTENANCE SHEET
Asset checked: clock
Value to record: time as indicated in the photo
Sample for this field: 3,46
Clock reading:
2,45
